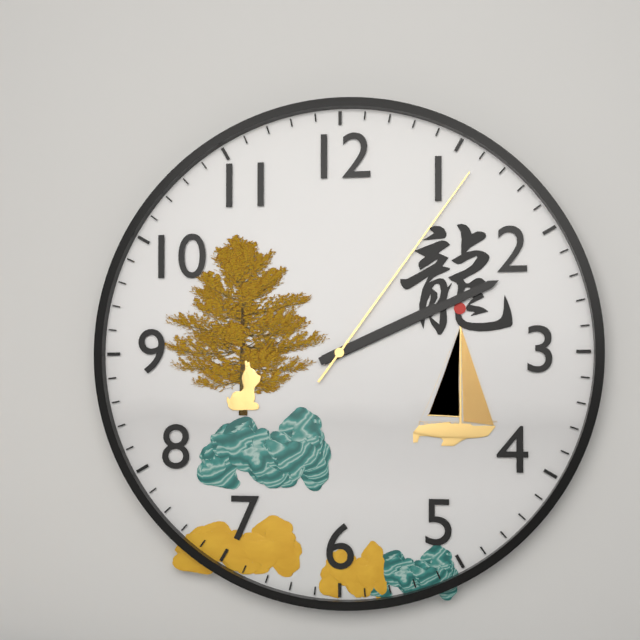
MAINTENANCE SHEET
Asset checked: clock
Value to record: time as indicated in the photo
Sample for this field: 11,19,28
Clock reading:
2,11,06
